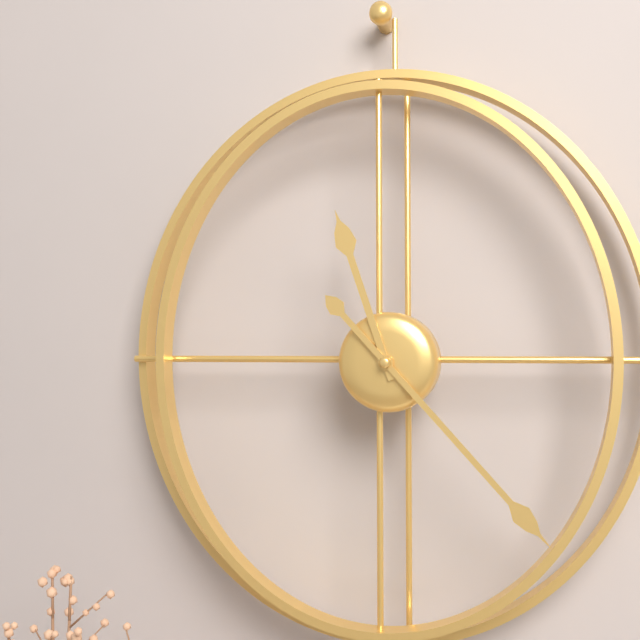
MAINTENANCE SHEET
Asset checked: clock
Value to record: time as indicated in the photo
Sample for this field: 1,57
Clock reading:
11,23
